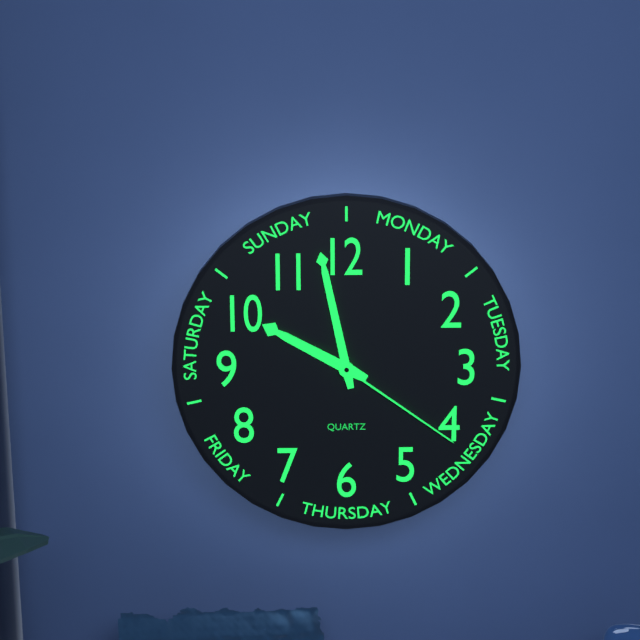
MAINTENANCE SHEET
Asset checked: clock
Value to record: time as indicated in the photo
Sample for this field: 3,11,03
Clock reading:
9,58,21
